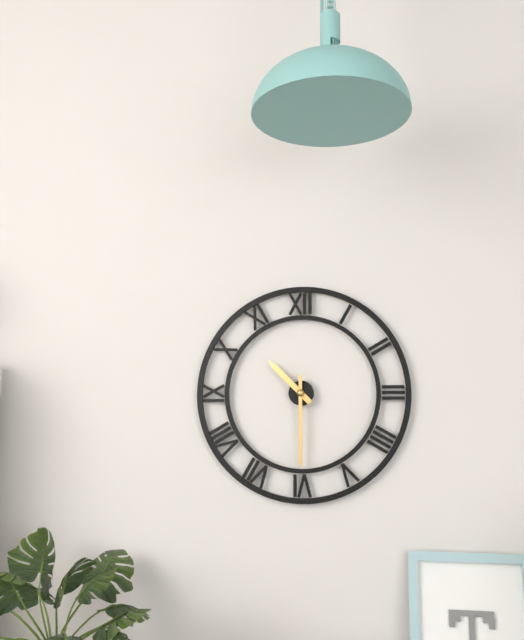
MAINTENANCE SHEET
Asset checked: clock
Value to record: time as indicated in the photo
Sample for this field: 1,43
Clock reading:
10,30
